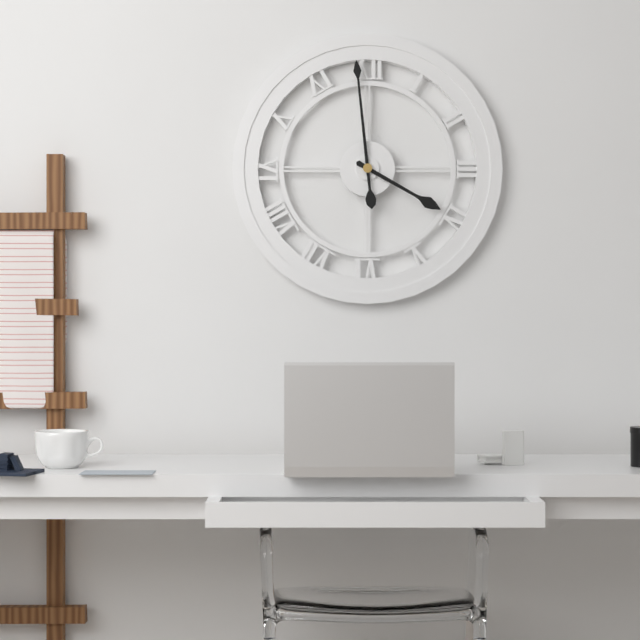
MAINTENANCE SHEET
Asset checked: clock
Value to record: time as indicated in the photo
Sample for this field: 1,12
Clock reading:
3,59
